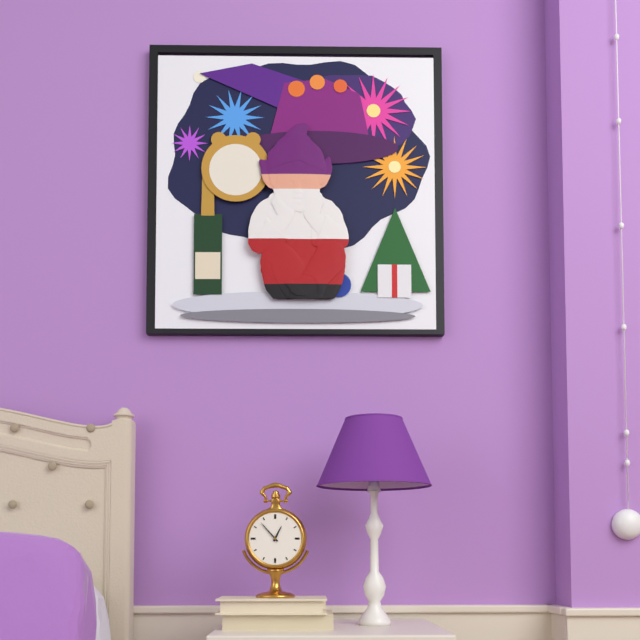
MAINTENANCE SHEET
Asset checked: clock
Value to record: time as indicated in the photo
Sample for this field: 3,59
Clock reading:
12,53
